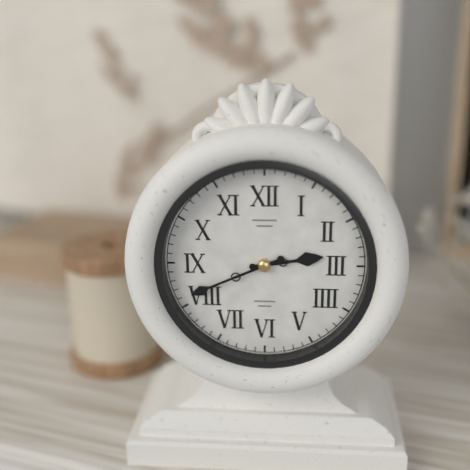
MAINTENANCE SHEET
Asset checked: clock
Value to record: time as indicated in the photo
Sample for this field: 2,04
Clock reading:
2,41
